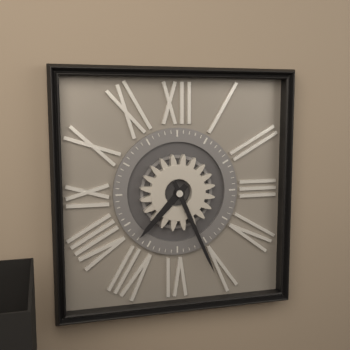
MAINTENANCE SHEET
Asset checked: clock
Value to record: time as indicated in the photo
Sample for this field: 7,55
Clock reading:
7,26
